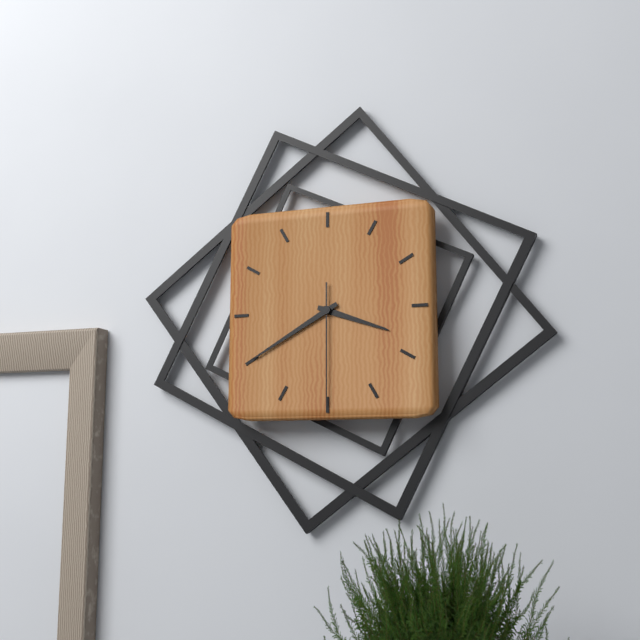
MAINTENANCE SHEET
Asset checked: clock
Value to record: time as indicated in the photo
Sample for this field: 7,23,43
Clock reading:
3,40,30
